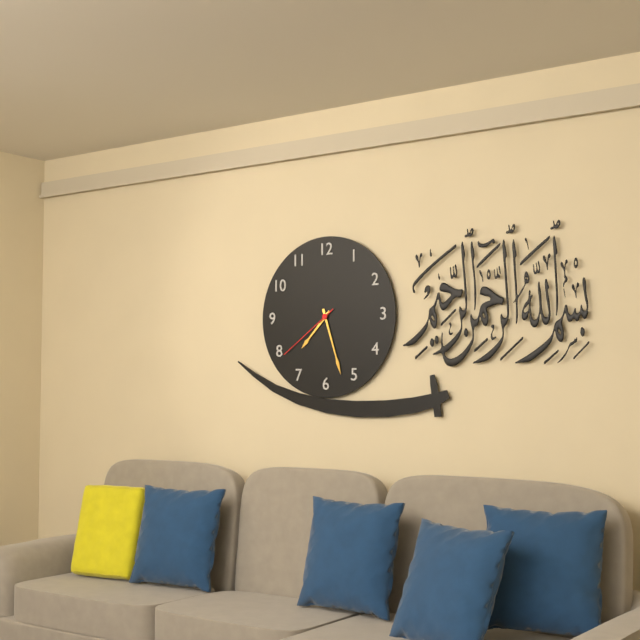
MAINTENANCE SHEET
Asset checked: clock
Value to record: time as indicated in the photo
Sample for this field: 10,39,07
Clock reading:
7,27,39
